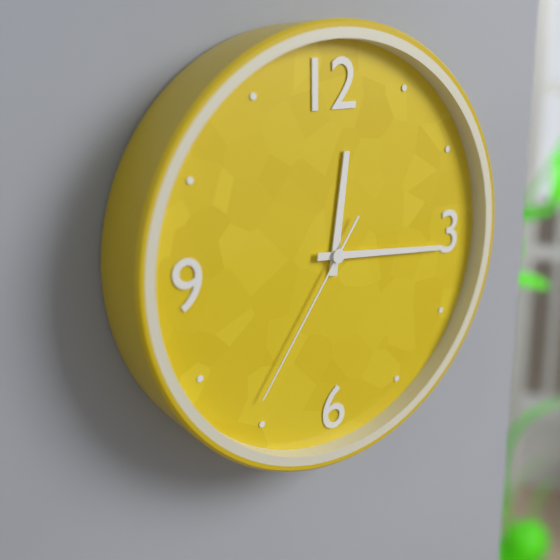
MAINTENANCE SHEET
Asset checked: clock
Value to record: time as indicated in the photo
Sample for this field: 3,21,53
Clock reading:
12,16,36
